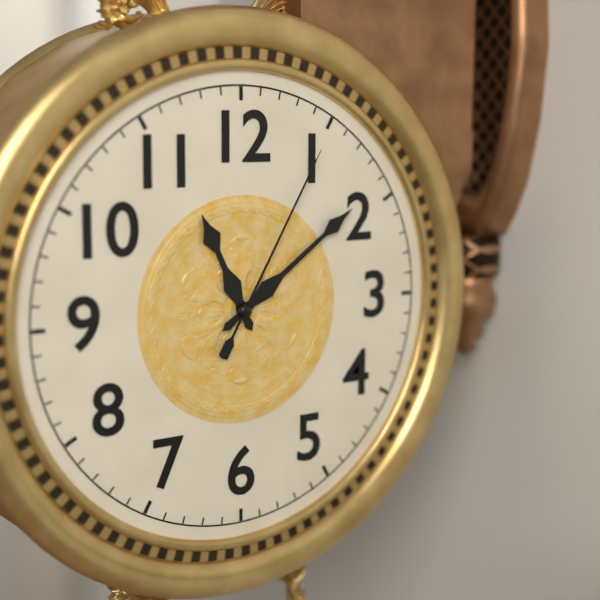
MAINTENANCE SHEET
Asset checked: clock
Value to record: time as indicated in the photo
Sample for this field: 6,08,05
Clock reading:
11,09,05
